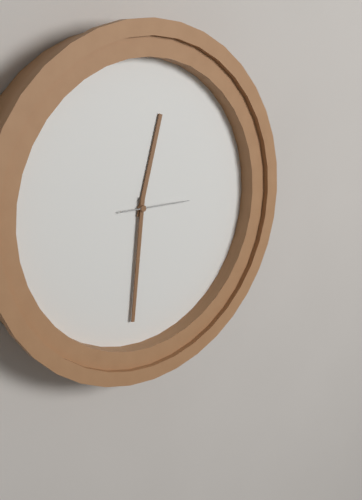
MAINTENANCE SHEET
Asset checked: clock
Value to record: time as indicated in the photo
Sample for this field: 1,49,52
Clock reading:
12,31,15
